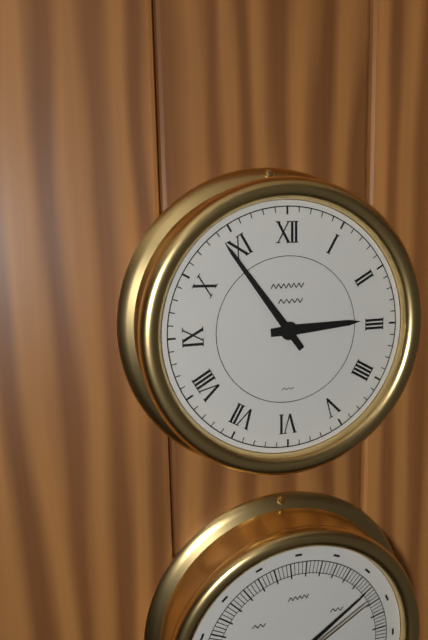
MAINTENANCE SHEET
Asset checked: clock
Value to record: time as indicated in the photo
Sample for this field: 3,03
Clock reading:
2,54
